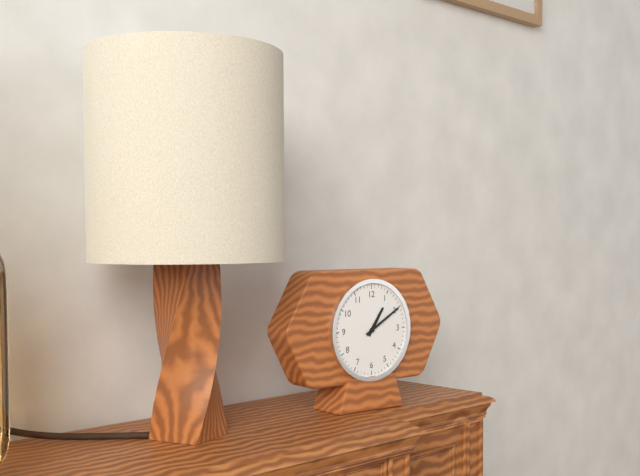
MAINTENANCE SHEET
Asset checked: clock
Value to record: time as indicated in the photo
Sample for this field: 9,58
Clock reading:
1,10
